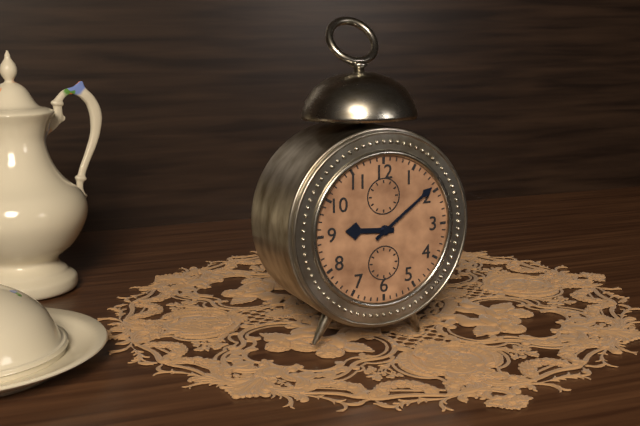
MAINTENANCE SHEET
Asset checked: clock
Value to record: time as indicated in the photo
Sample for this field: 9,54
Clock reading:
9,09
